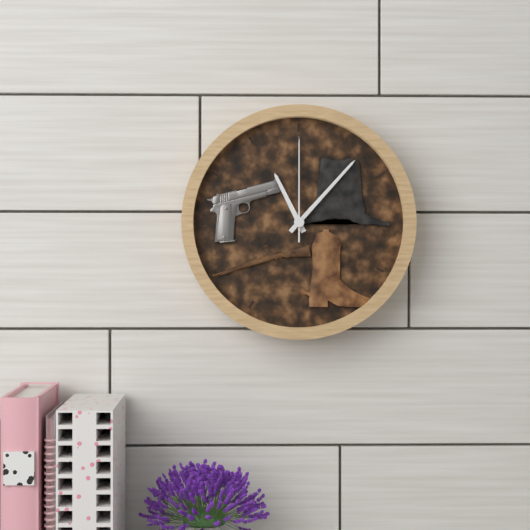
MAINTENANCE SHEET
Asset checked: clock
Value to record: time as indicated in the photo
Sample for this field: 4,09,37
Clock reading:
11,07,00
